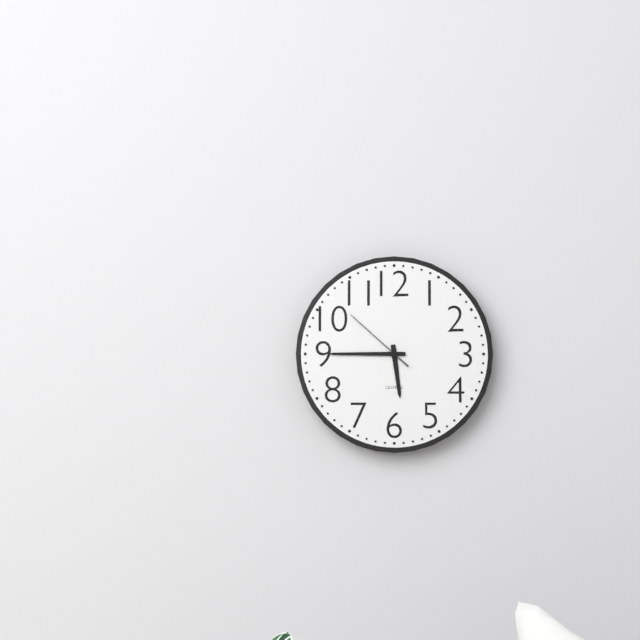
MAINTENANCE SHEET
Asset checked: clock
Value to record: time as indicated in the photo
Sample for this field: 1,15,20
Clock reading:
5,45,52
